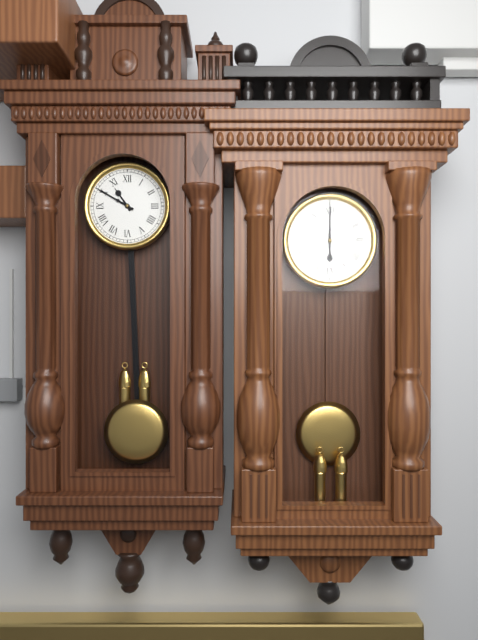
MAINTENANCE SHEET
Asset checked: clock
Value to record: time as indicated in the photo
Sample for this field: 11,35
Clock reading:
10,50
